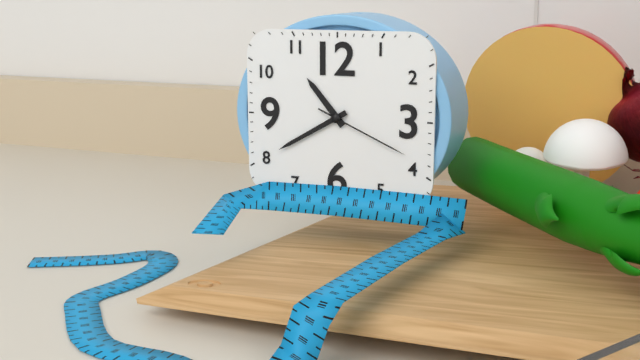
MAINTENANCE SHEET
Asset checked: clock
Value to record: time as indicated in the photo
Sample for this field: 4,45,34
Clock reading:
10,40,19
